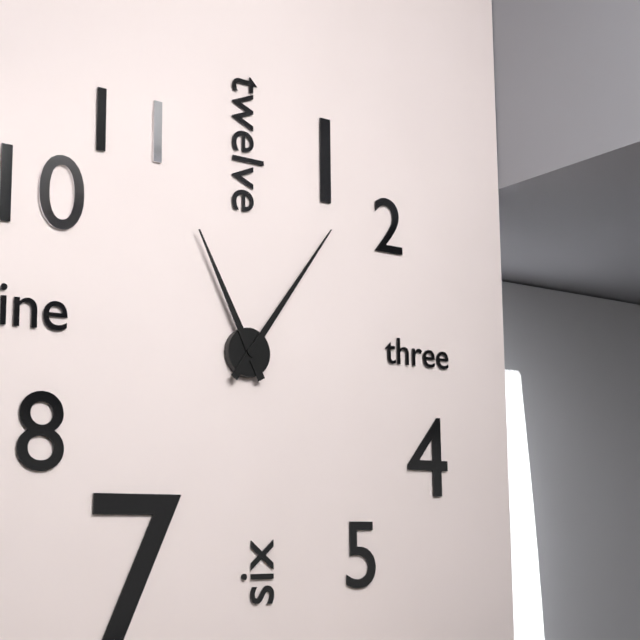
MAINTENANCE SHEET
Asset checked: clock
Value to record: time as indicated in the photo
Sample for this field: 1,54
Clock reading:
11,06
